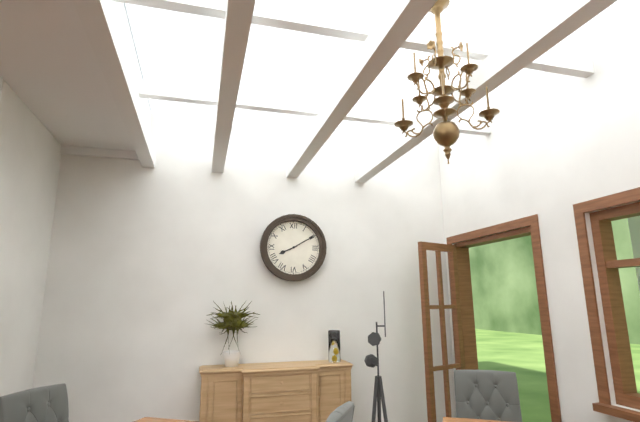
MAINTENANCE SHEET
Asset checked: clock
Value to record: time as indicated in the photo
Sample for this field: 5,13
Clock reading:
8,10
